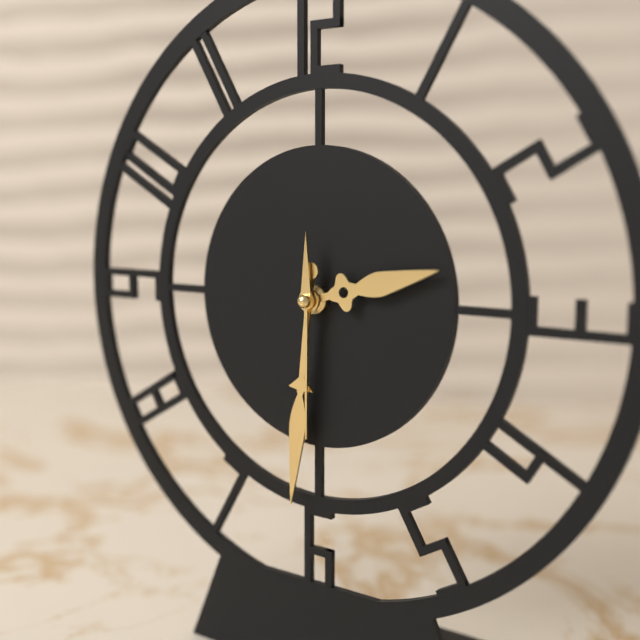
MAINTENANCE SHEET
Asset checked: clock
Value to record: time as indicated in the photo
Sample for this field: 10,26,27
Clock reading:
2,31,30
